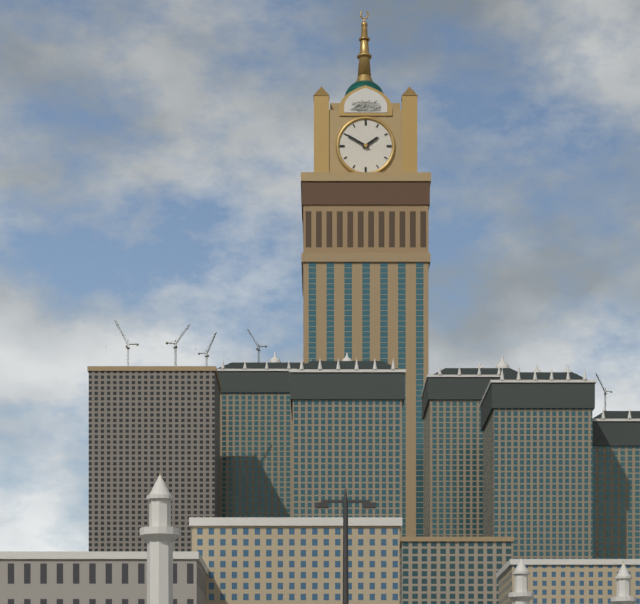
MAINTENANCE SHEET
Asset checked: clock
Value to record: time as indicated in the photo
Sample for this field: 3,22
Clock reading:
1,50
